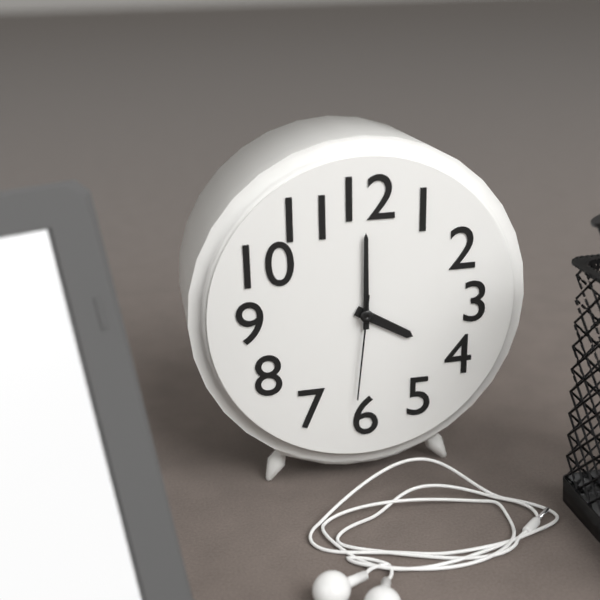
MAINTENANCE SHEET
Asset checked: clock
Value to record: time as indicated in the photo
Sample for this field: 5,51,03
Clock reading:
4,00,31
